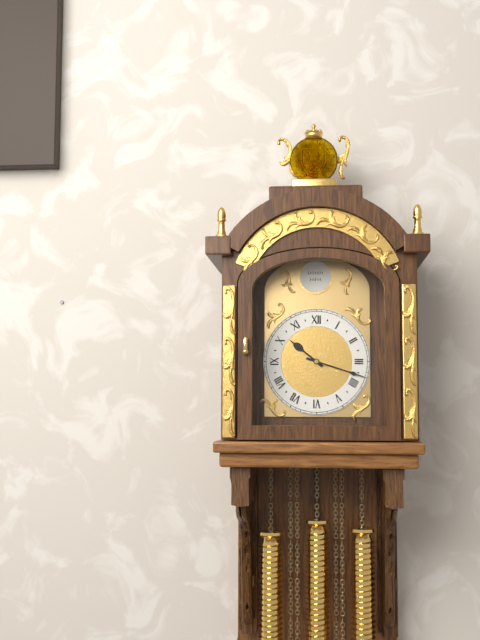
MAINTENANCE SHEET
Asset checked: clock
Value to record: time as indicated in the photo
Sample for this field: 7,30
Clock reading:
10,18
